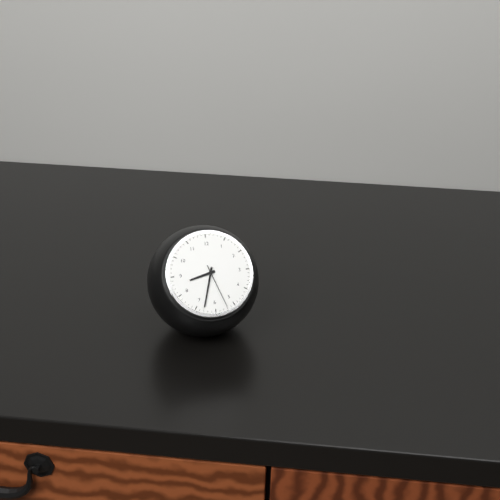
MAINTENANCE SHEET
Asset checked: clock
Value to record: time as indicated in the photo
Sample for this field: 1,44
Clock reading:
8,33
